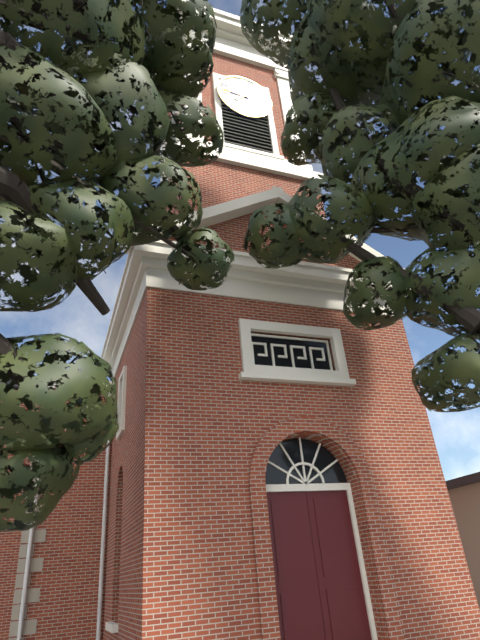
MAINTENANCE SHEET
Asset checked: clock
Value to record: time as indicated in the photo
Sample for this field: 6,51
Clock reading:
7,46
